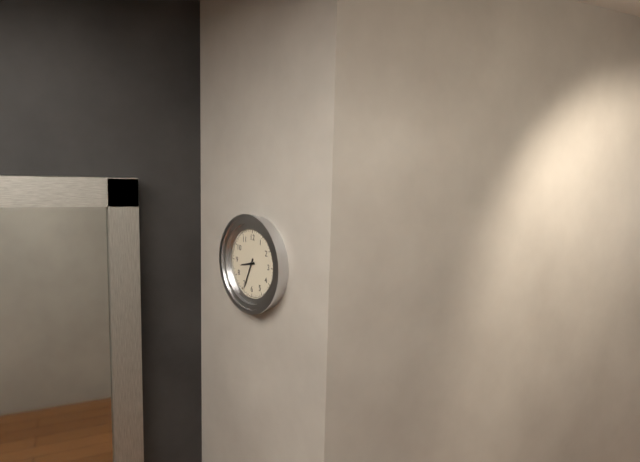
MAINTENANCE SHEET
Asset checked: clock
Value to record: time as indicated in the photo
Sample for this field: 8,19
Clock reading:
8,34
